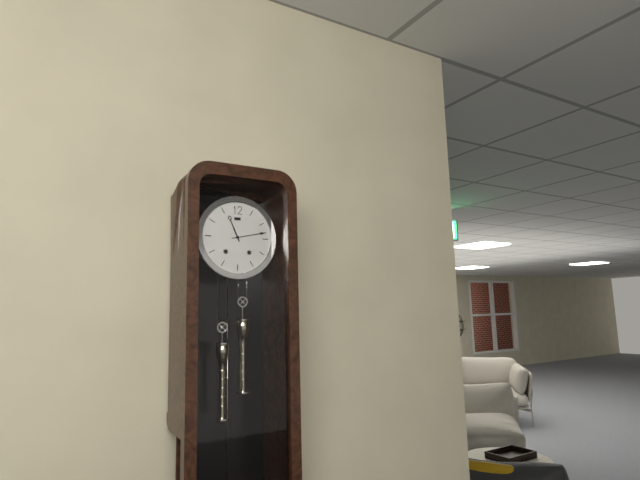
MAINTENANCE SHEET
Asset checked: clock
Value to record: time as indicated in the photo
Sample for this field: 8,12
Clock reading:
11,13
